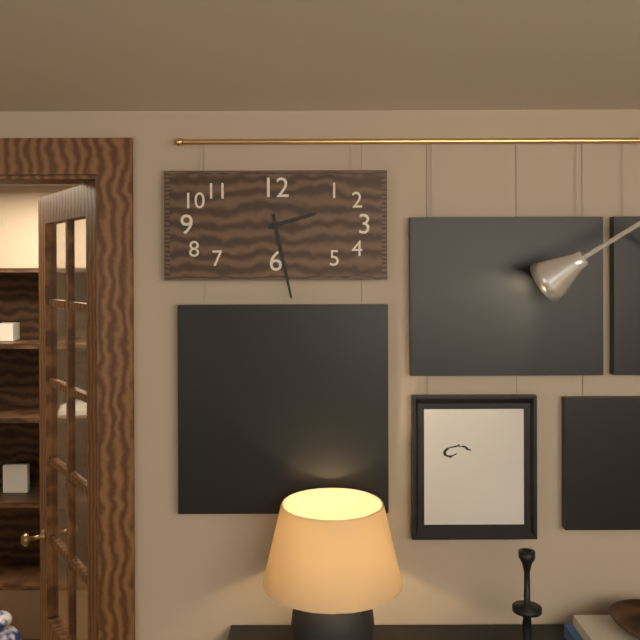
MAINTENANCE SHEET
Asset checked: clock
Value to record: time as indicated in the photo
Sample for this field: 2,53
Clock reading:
2,28
